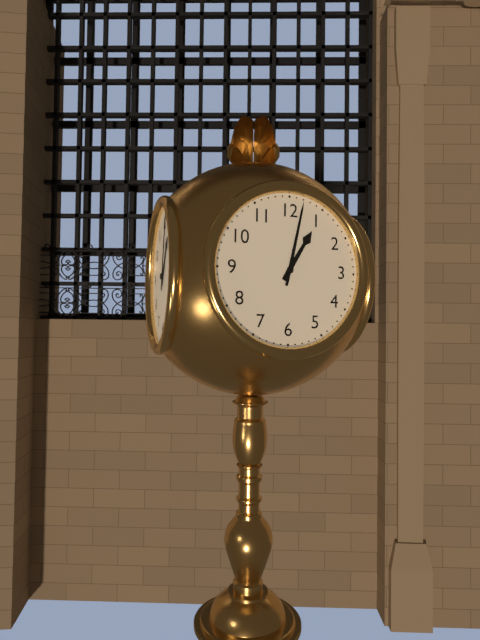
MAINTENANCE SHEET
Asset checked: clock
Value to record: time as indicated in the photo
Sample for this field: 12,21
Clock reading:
1,02
